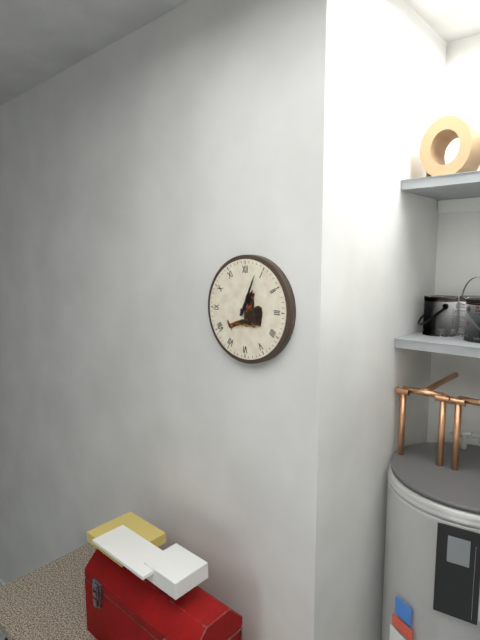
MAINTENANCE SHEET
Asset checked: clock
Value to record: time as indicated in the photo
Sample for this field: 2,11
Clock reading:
1,04
